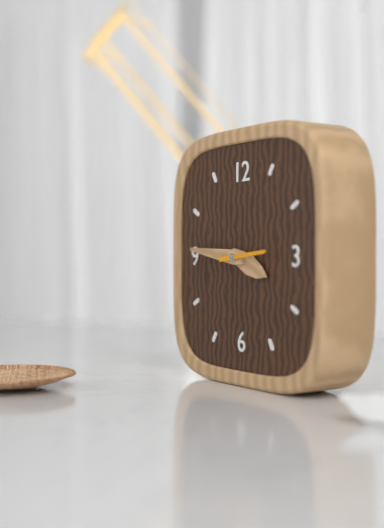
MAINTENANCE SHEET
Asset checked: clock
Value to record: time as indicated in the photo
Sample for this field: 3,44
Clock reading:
3,46
